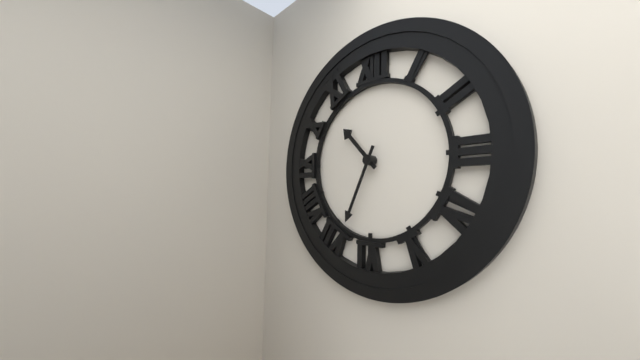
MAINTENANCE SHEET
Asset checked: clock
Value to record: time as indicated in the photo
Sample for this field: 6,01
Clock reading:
10,34
